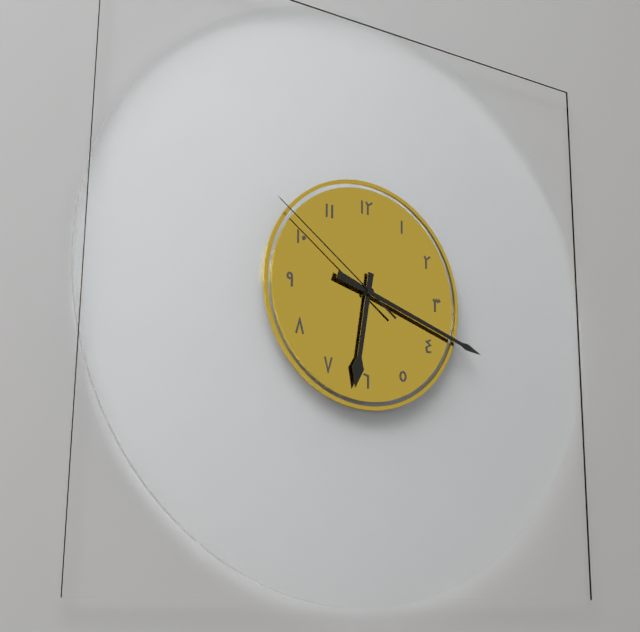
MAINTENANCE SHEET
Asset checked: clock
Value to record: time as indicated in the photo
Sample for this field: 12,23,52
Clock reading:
6,18,51
